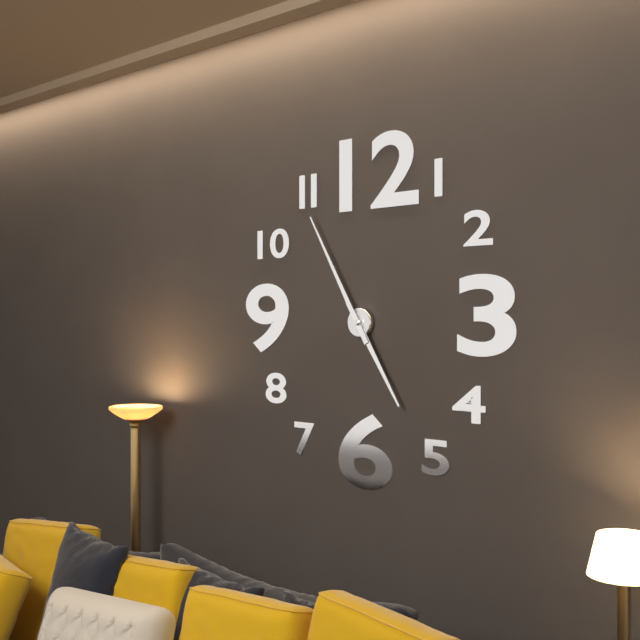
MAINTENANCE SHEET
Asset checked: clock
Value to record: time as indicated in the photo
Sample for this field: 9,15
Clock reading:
4,55
